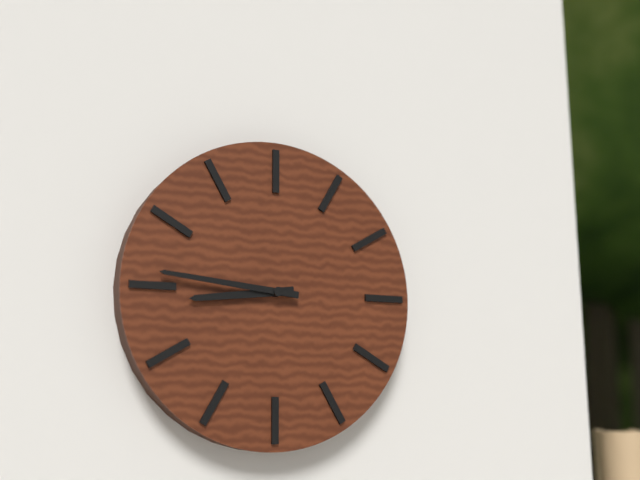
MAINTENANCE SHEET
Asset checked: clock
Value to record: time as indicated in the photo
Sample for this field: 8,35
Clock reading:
8,46
